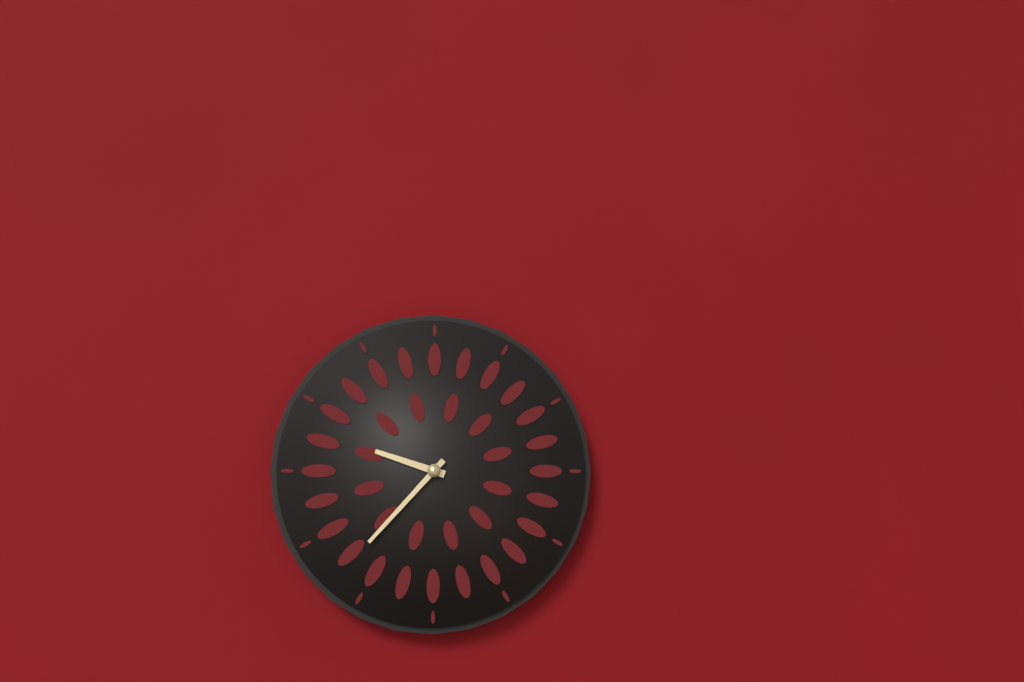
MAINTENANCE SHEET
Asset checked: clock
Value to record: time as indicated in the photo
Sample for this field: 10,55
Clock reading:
9,37
